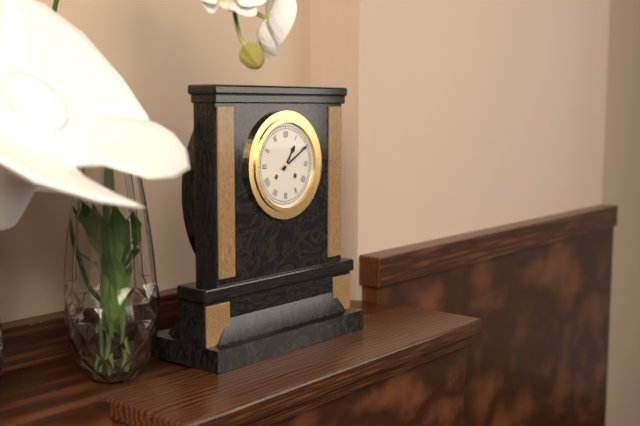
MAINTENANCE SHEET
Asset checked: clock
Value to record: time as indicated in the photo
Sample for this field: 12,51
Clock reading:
1,10
